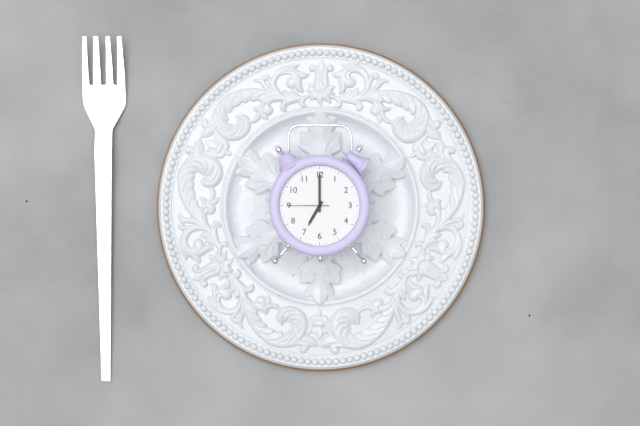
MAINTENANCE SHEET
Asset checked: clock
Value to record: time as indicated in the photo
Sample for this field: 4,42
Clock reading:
7,00
